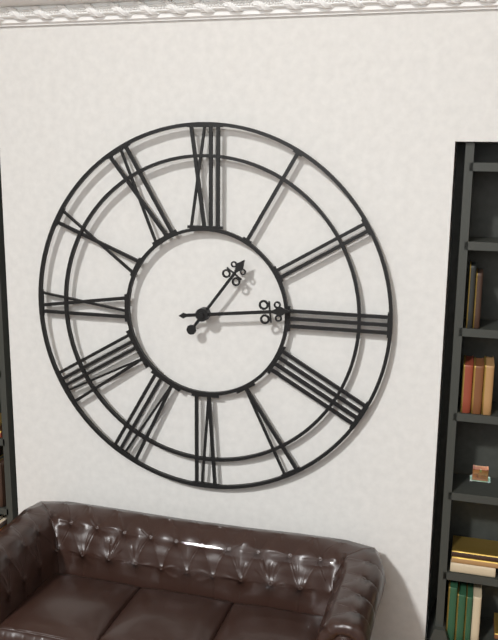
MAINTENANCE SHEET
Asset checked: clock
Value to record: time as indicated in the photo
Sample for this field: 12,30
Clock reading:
1,14
